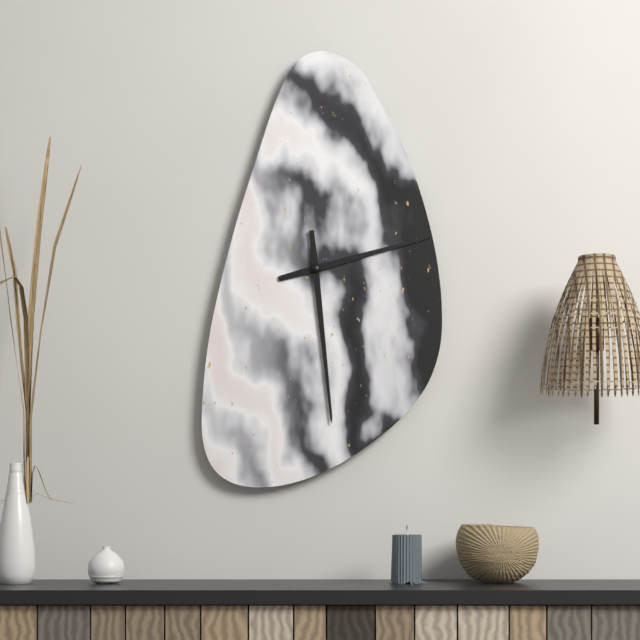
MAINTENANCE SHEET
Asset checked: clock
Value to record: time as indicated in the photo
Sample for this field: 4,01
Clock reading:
2,29
